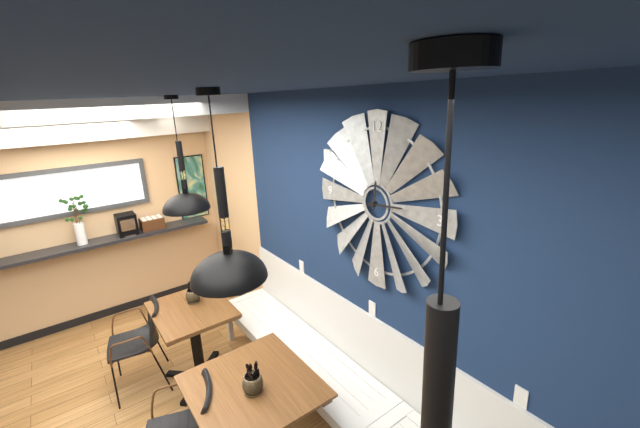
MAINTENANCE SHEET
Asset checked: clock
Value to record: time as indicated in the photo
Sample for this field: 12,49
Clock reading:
12,14
